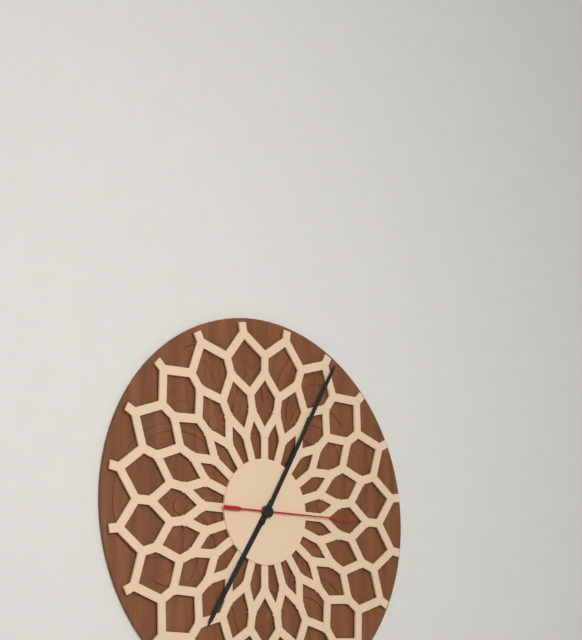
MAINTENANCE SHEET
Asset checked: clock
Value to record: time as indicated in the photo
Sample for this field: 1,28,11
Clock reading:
7,05,15
